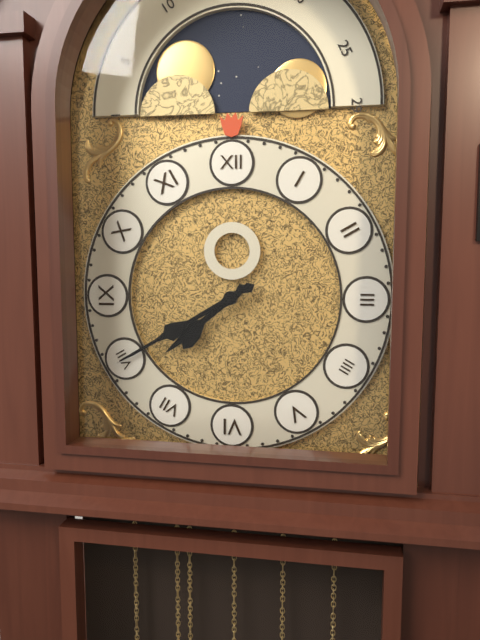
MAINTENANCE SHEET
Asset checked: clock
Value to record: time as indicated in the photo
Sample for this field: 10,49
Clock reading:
7,40
